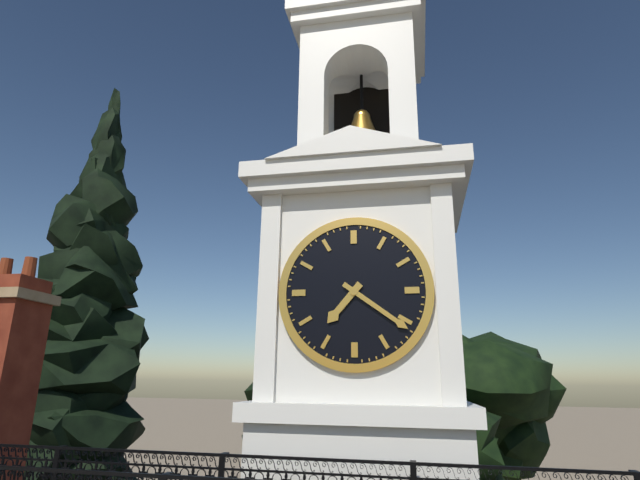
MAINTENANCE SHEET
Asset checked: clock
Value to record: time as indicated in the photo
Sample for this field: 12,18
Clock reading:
7,21
